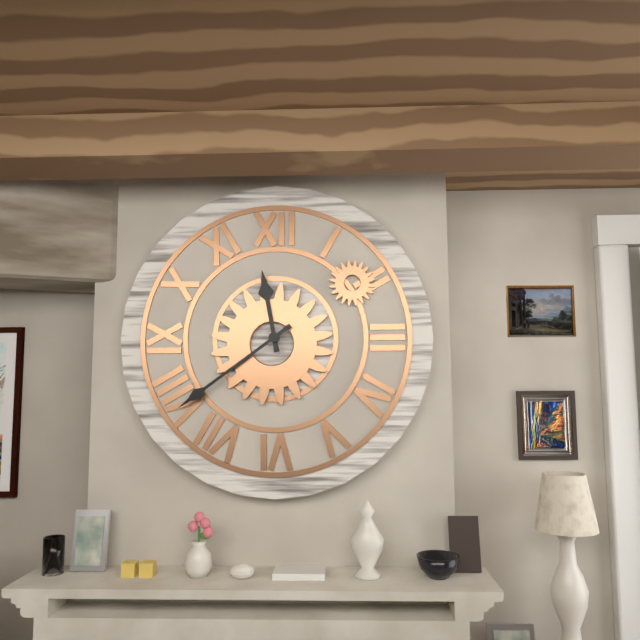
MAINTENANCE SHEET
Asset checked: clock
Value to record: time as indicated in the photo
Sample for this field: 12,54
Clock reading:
11,39
